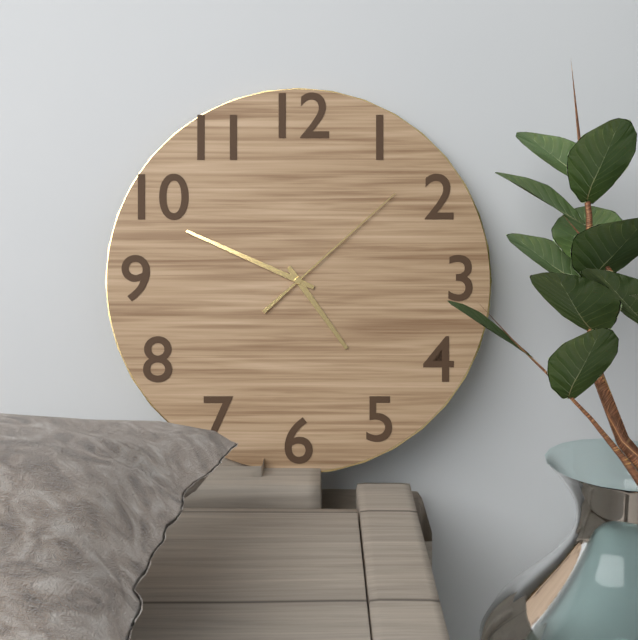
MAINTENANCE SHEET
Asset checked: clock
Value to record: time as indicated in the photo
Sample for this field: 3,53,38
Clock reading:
4,49,08
